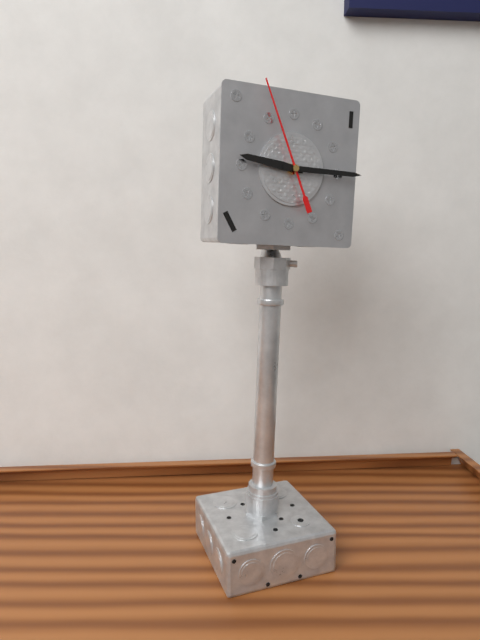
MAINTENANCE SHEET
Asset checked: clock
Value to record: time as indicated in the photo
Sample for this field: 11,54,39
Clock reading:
9,15,56
